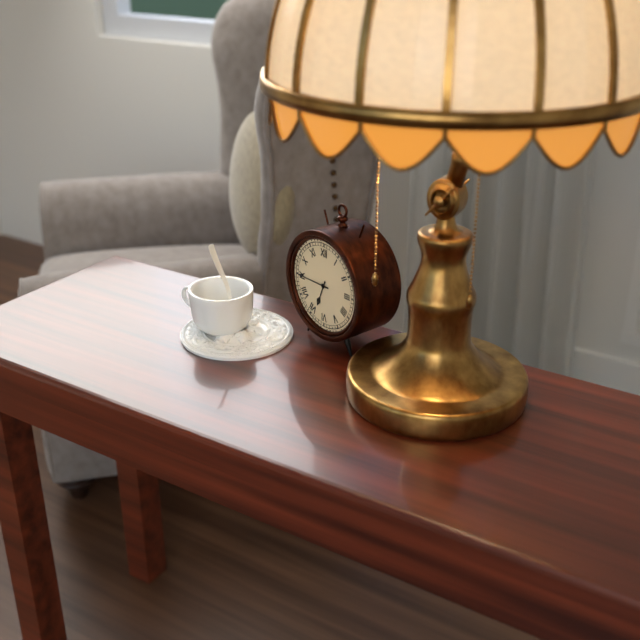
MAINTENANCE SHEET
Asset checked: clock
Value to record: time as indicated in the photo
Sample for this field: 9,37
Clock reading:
6,45
